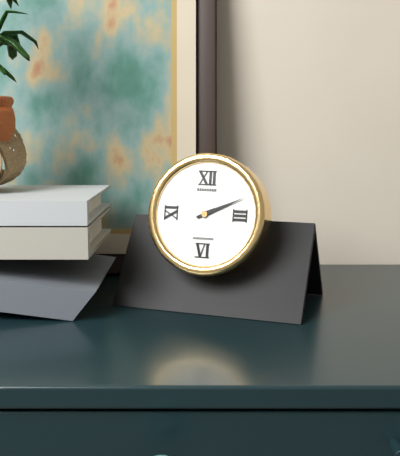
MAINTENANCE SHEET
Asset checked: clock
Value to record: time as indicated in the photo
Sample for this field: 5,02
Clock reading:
2,11
